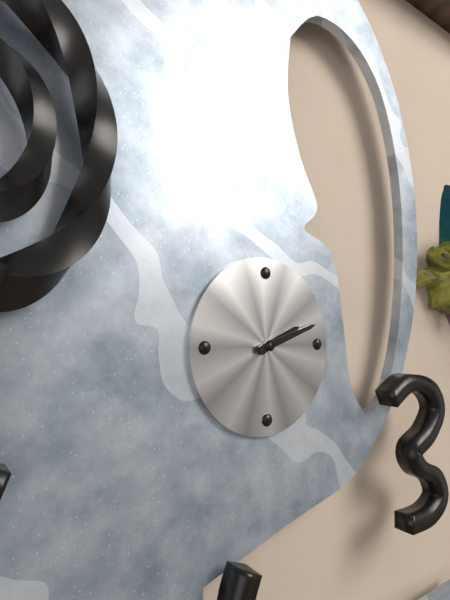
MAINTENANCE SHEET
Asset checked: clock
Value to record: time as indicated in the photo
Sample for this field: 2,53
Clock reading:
2,12
